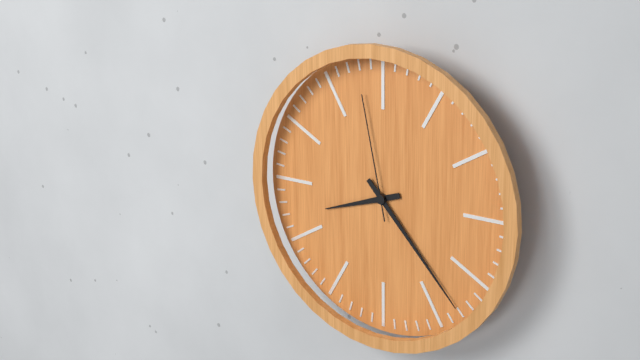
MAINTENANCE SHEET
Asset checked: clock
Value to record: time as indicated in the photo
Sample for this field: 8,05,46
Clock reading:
8,23,58
